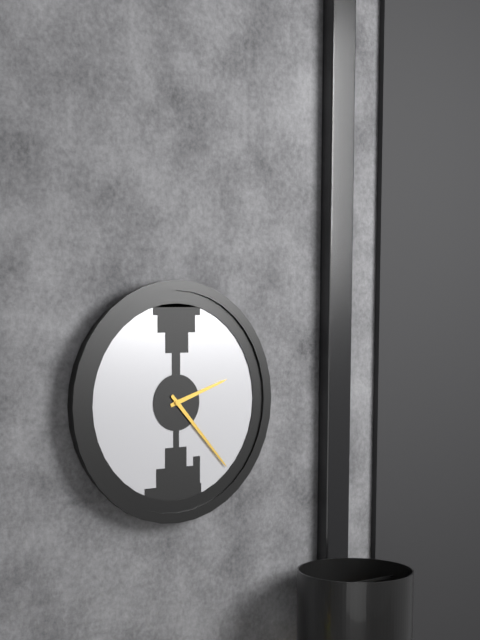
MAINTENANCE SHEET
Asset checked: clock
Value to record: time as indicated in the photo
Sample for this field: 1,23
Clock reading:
2,23
